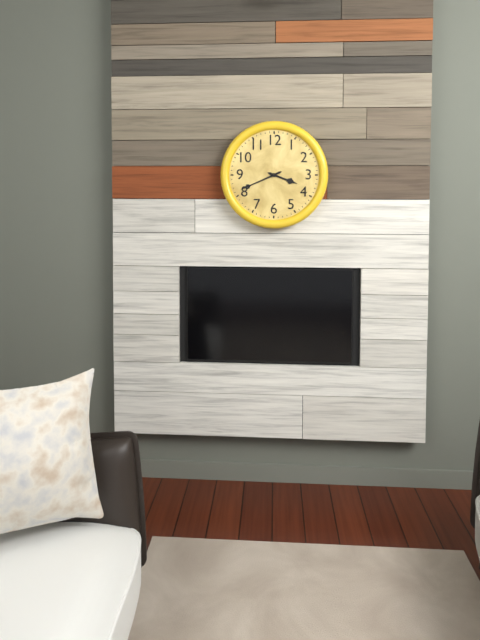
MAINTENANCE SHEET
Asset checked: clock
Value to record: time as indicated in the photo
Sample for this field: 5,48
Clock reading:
3,41
